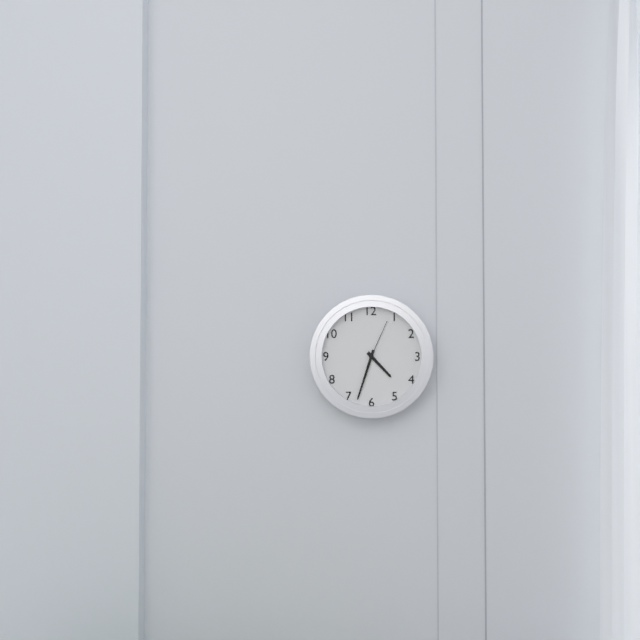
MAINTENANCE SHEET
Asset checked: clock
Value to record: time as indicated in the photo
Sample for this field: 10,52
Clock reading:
4,33
